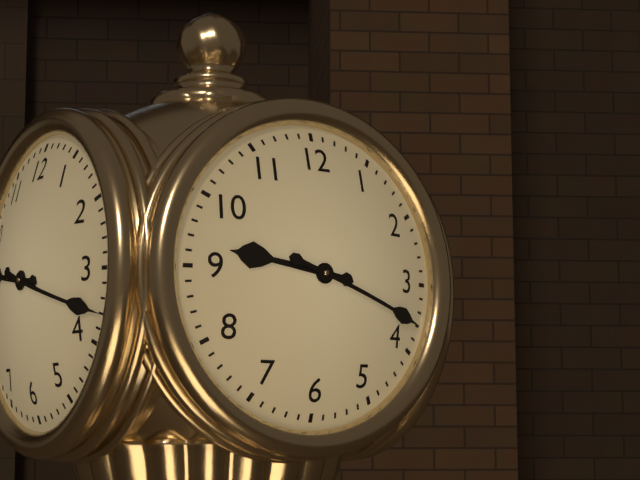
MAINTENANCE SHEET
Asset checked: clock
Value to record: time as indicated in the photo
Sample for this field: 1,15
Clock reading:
9,18
